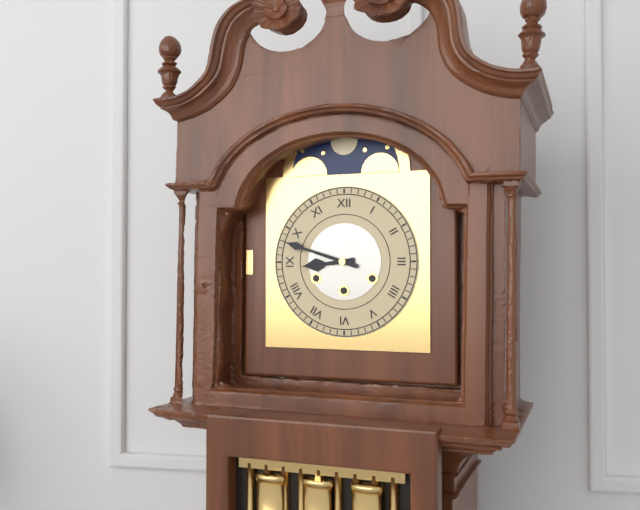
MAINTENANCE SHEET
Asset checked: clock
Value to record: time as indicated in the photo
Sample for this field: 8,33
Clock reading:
8,48
